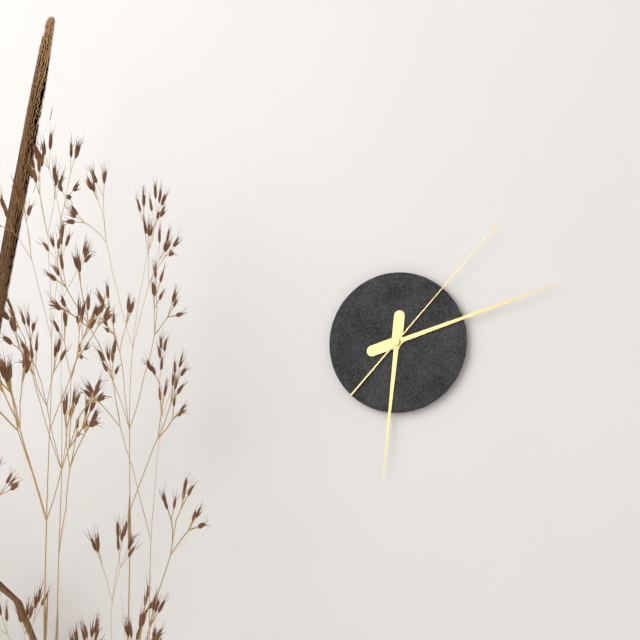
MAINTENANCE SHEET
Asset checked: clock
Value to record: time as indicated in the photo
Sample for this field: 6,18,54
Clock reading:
6,12,07
